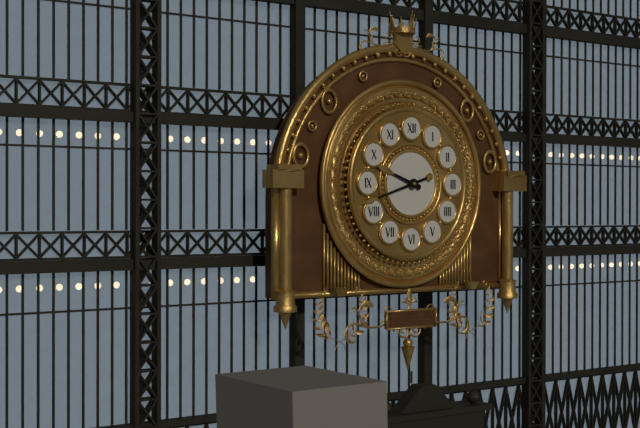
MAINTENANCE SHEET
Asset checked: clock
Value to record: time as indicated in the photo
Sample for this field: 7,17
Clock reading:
9,42
